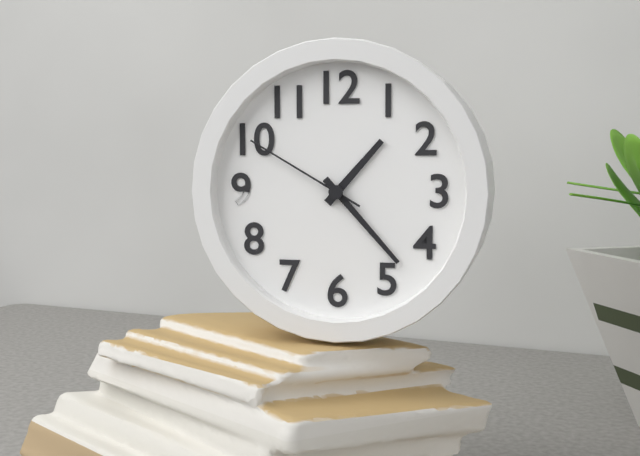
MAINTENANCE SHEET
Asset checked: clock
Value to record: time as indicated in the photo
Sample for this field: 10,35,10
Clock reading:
1,23,50
